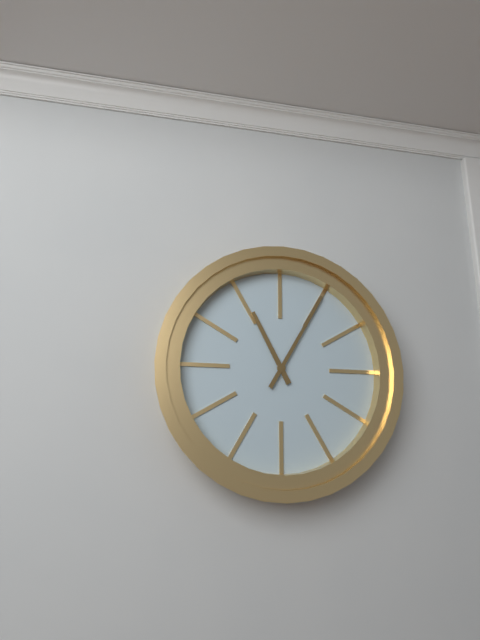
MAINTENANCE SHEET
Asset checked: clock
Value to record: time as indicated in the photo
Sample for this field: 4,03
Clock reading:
11,05
